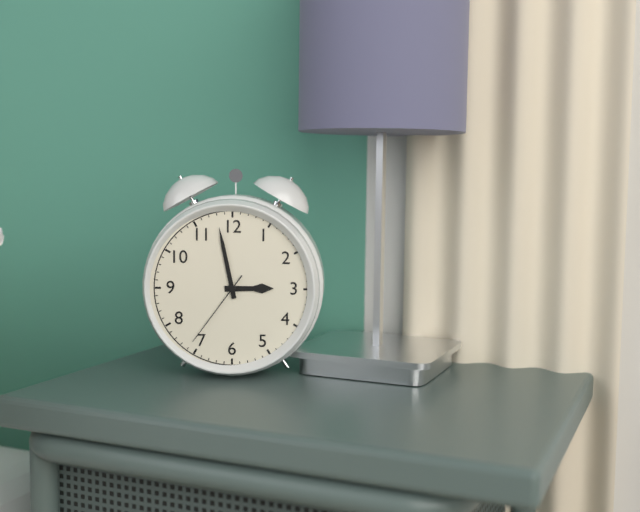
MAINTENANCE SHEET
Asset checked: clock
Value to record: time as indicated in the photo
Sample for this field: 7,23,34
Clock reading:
2,58,36
